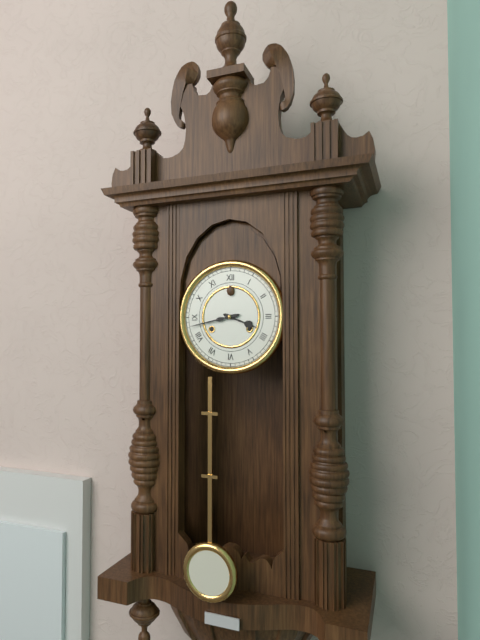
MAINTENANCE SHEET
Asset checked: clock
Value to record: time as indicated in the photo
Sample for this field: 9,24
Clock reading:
3,43
